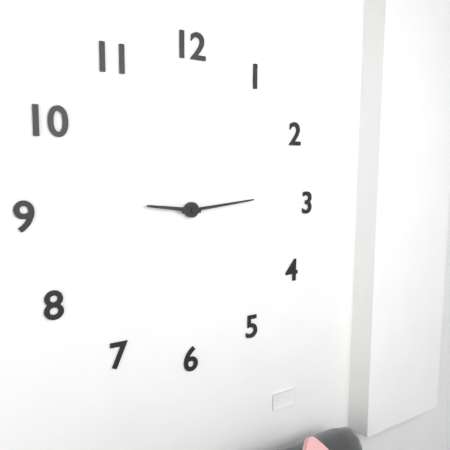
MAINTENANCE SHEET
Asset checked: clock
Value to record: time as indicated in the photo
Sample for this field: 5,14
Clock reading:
9,14
